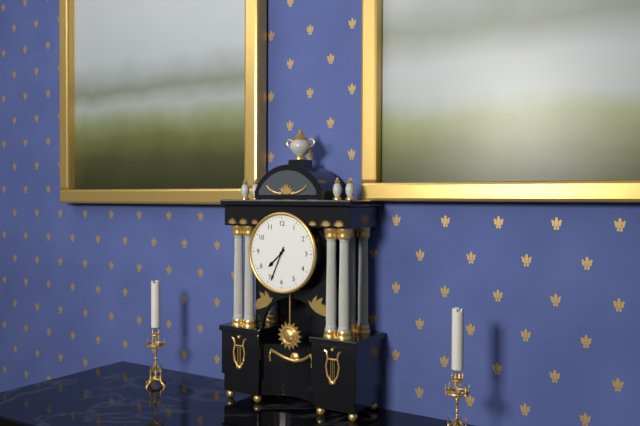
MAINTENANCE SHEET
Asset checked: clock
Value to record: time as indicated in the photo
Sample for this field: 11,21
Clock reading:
7,34
